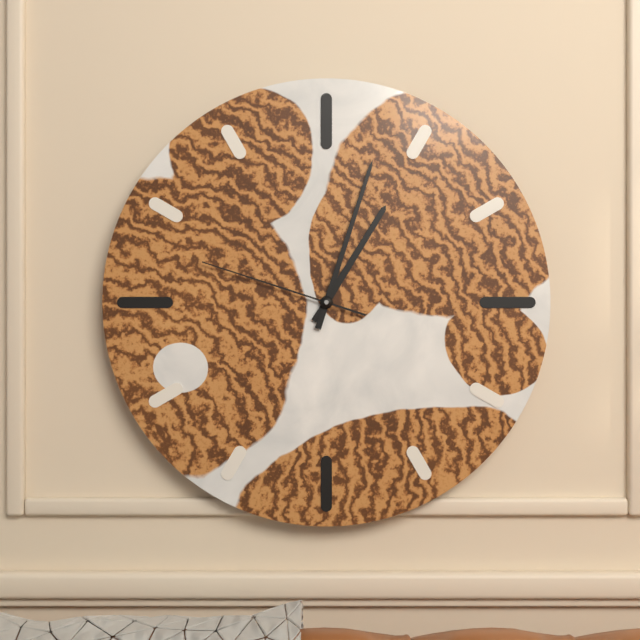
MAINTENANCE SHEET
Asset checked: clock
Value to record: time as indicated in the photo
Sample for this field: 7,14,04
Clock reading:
1,03,48
